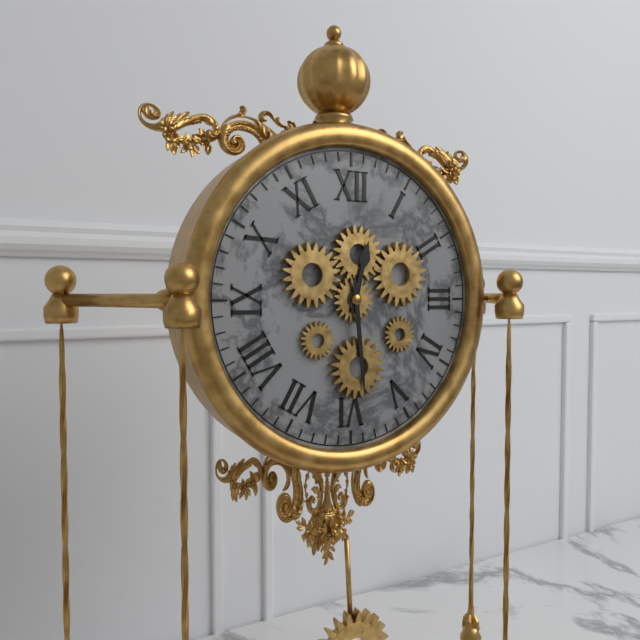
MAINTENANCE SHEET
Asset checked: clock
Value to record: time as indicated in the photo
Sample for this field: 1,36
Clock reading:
12,29
